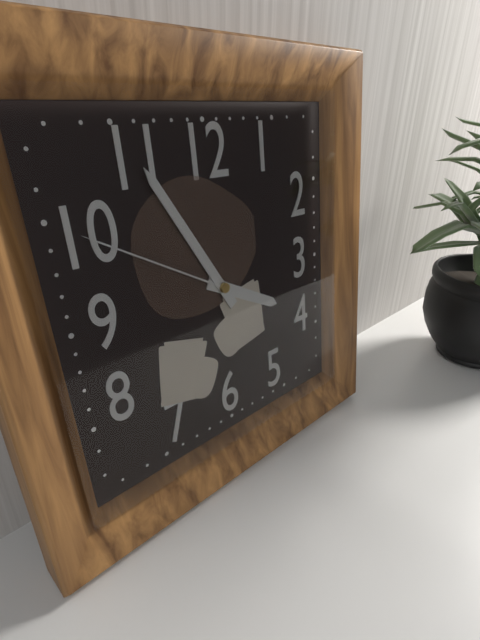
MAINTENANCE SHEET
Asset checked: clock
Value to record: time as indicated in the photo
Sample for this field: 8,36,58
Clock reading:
3,55,50
